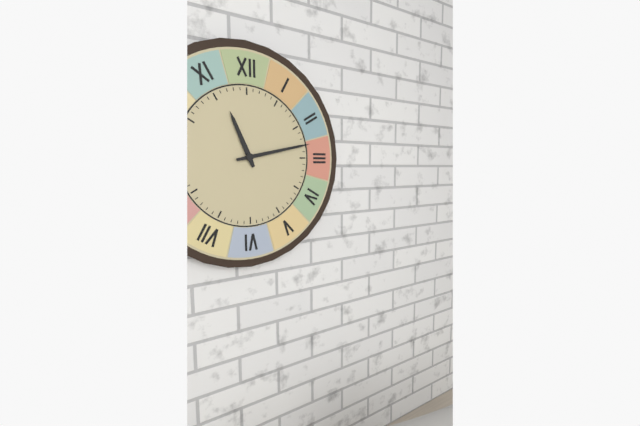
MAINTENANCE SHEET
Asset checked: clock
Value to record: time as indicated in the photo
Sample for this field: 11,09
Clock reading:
11,13
